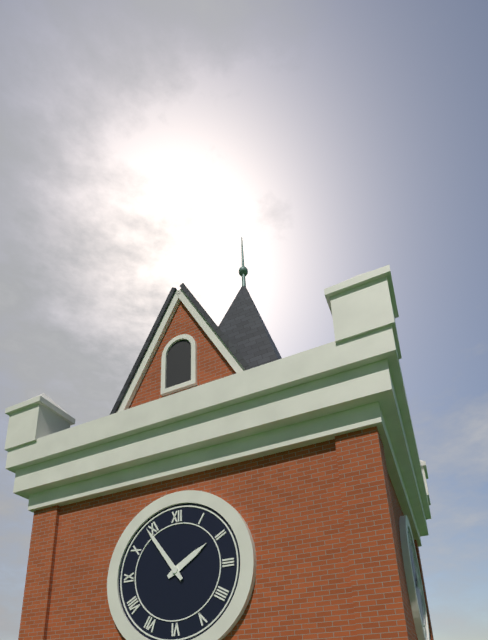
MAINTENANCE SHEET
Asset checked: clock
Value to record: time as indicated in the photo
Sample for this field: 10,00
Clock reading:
1,54
